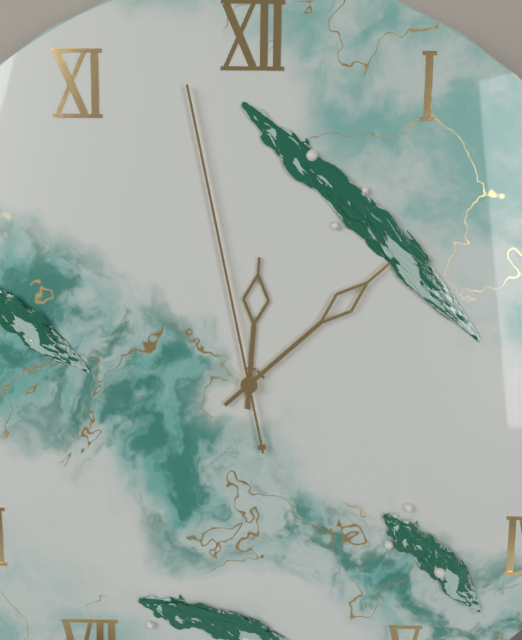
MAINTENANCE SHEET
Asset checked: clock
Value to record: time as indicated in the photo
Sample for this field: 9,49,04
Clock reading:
12,08,58
